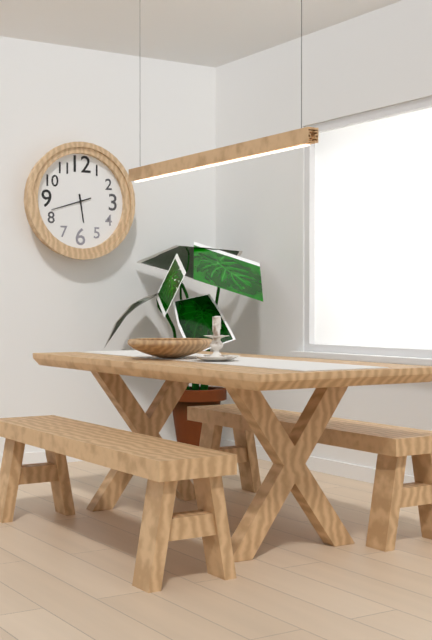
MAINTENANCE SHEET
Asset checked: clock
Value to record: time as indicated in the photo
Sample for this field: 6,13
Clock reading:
5,42
